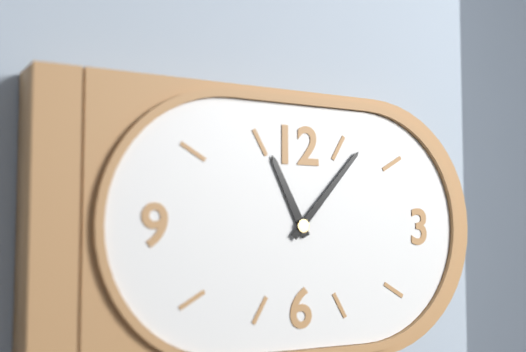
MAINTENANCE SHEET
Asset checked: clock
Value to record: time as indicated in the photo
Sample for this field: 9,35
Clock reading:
11,07
